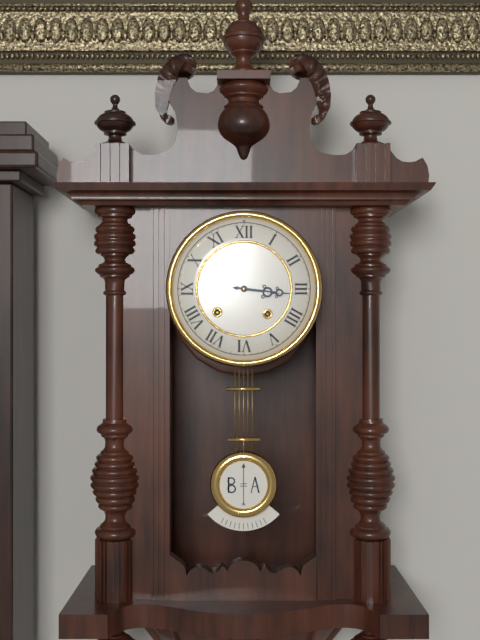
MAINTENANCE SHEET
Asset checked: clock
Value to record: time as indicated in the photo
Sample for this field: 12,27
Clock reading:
3,16
